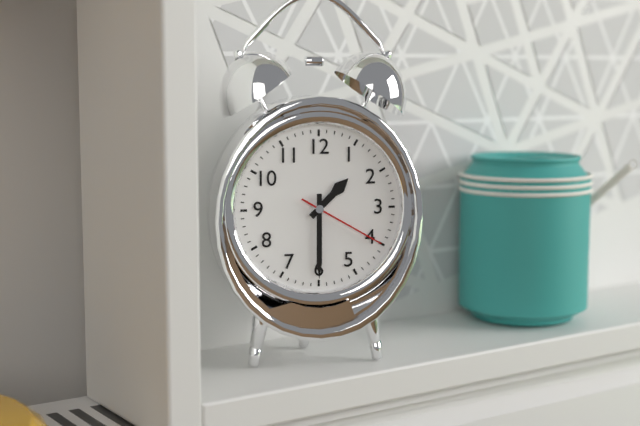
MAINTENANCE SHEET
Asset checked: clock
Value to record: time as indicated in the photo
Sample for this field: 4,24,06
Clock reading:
1,30,20
